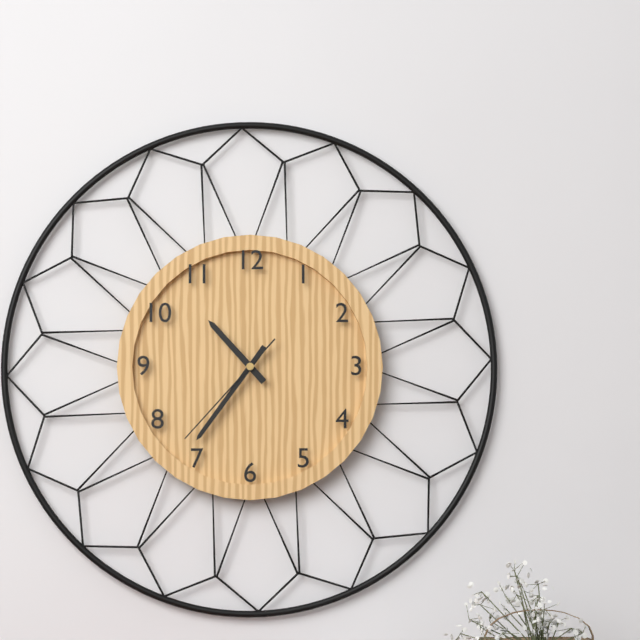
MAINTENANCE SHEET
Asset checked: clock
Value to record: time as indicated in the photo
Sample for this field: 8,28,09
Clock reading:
10,36,37
